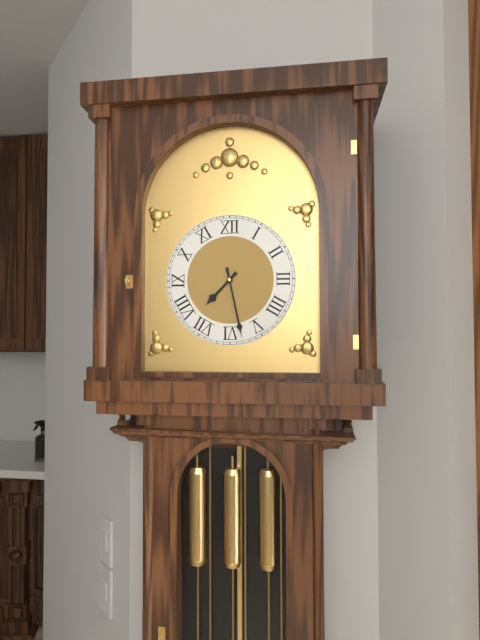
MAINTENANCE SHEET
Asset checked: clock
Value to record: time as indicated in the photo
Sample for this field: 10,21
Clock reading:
7,28
